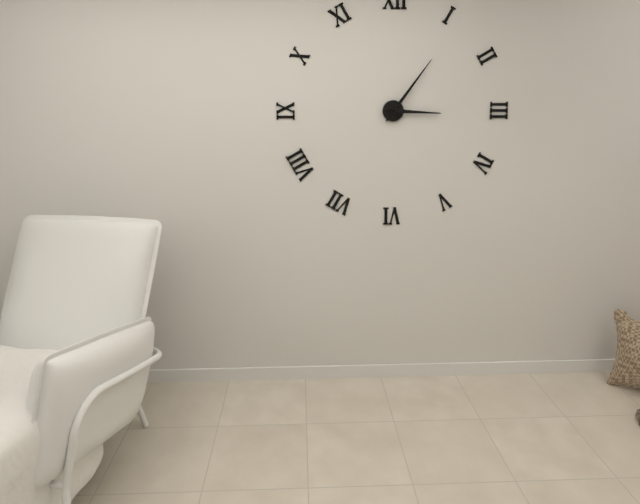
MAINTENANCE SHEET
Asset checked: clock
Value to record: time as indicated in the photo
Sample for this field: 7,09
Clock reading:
3,06
